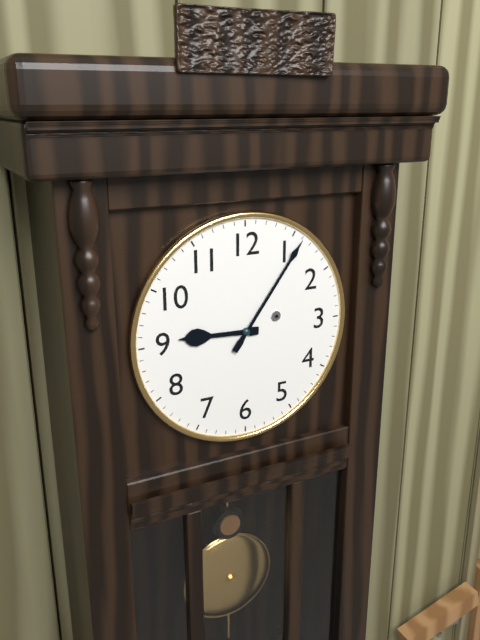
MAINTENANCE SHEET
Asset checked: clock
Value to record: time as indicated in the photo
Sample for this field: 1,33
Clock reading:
9,06
